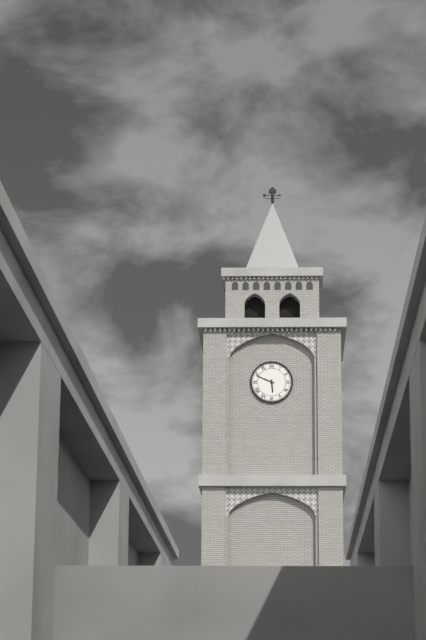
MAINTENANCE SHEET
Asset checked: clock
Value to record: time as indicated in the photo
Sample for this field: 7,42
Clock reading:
5,49
